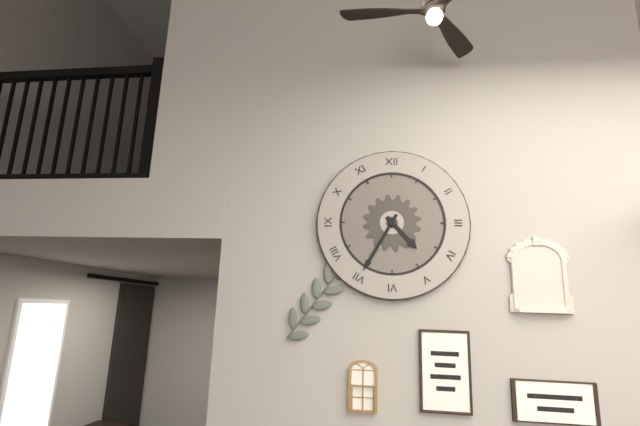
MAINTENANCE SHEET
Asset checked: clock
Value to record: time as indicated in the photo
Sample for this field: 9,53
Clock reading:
4,35
